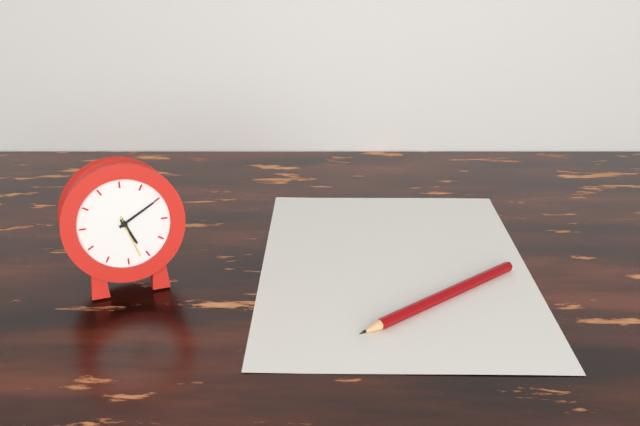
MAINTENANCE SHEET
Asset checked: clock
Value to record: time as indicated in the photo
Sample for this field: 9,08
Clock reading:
5,10
